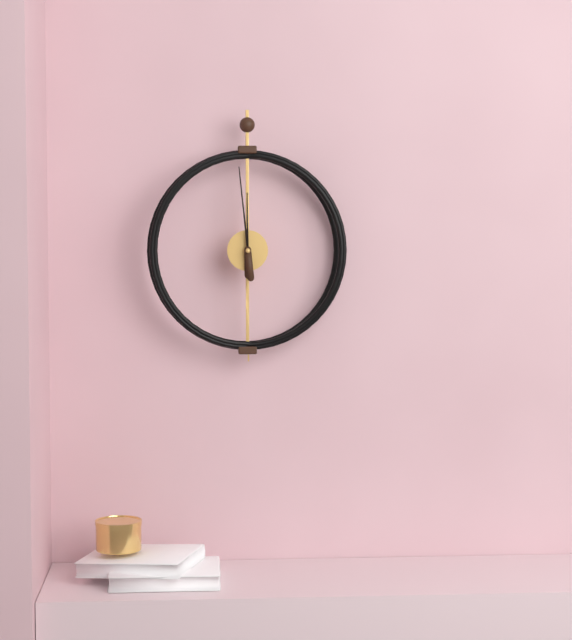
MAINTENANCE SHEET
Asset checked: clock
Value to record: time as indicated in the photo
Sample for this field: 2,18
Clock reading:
11,59
